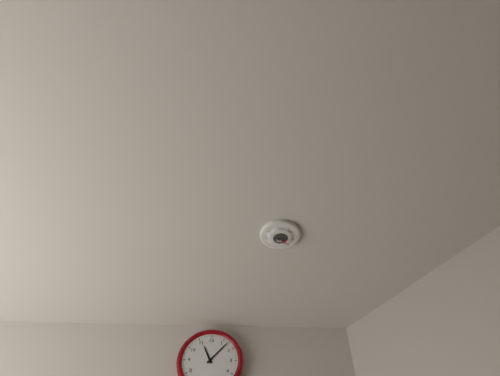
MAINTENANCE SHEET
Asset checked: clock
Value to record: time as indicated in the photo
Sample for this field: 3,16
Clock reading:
11,07
